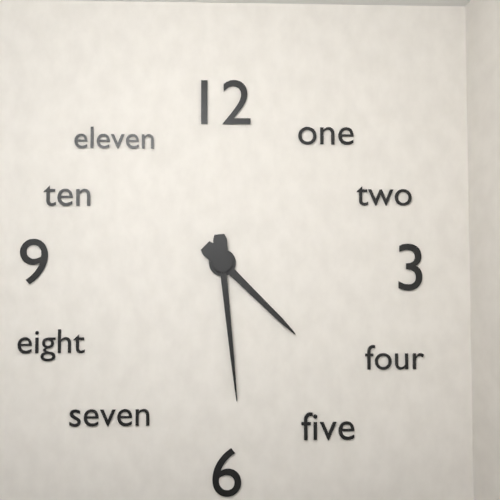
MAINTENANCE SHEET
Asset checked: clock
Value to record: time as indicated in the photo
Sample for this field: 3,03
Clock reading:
4,29
